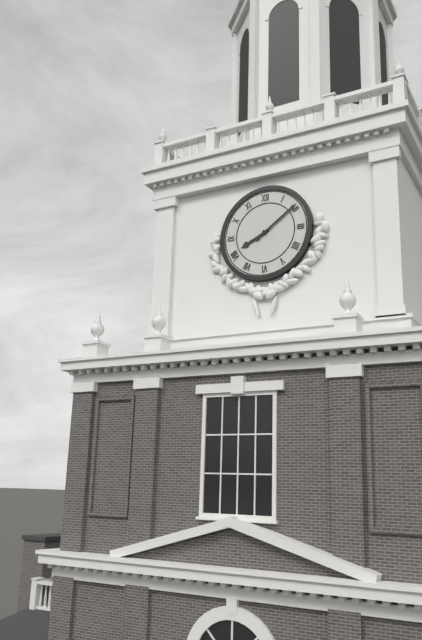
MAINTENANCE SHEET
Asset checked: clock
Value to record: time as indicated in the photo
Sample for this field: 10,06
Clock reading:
8,09
